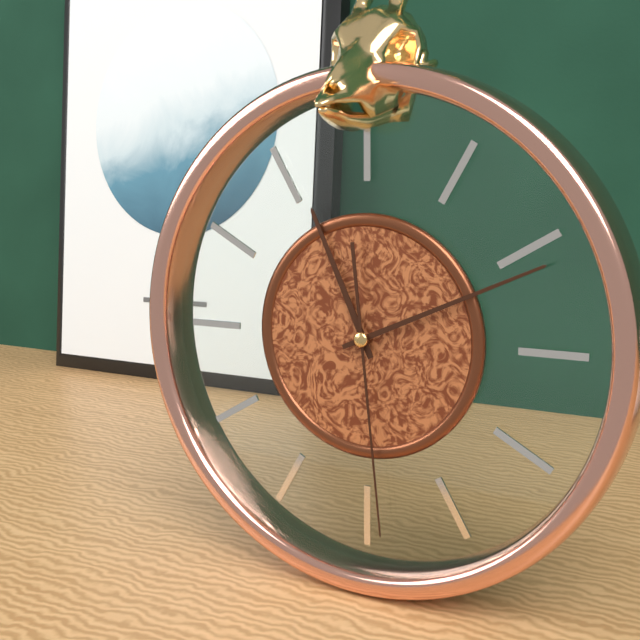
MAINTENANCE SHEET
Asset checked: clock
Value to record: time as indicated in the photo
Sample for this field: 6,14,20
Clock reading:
11,11,29
